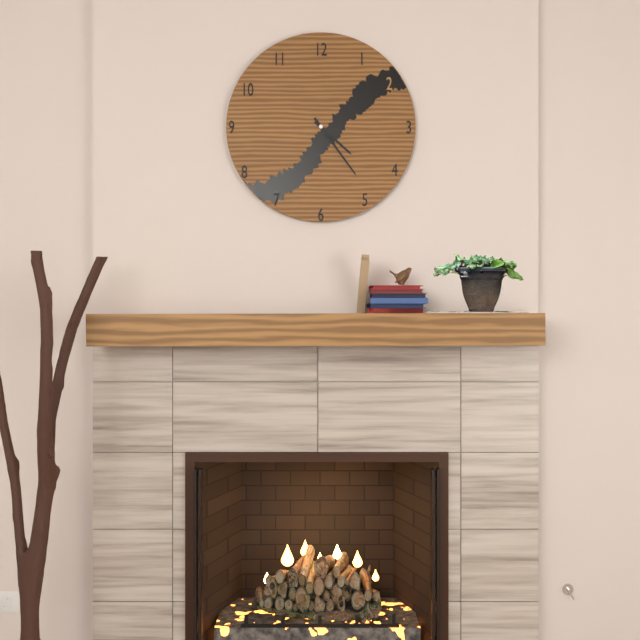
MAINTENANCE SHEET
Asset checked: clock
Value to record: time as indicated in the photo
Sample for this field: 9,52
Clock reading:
4,24
